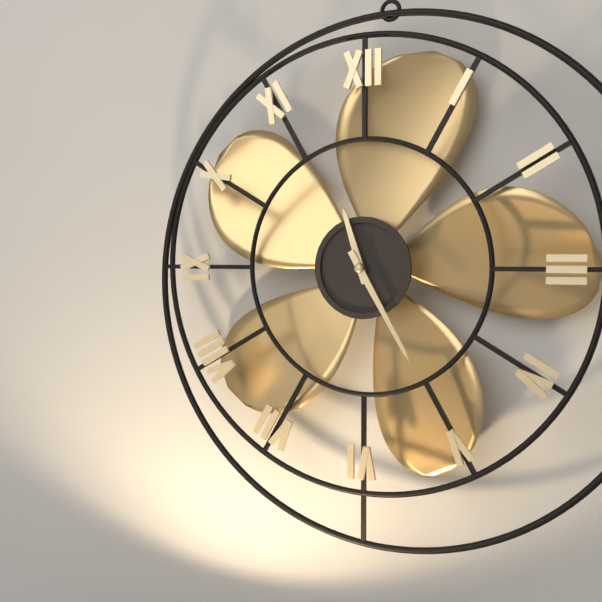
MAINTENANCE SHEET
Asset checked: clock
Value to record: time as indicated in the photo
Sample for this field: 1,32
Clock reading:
11,25
